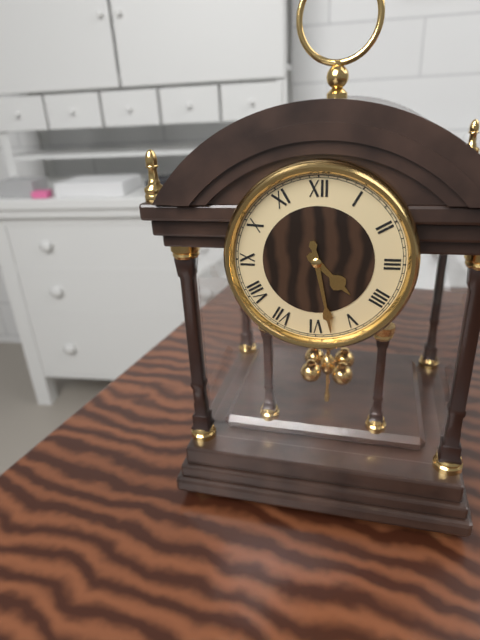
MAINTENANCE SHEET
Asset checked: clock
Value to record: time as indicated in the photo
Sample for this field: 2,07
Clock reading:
4,28
